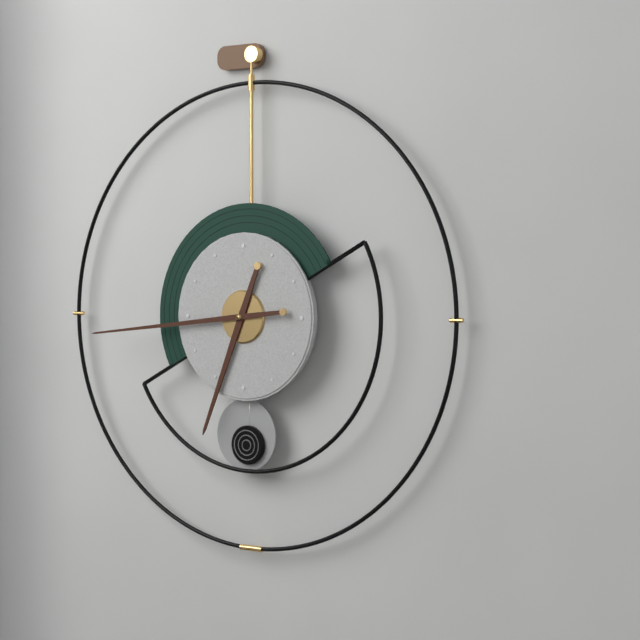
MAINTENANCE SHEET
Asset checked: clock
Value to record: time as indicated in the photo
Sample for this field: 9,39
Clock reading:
6,44
